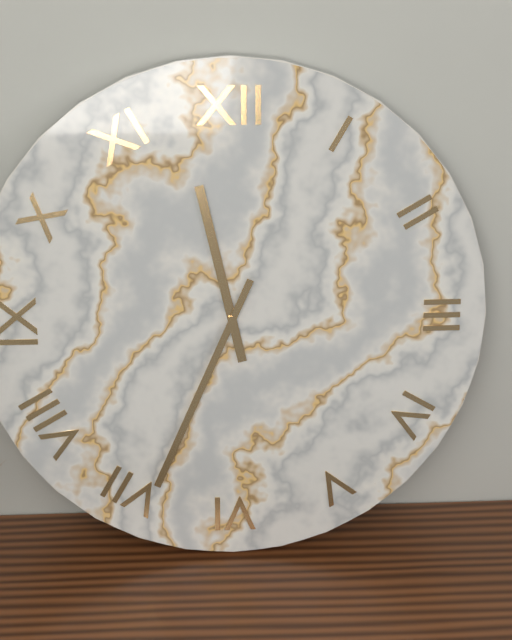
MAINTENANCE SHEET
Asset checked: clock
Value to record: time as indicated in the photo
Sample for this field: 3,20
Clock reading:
11,34
